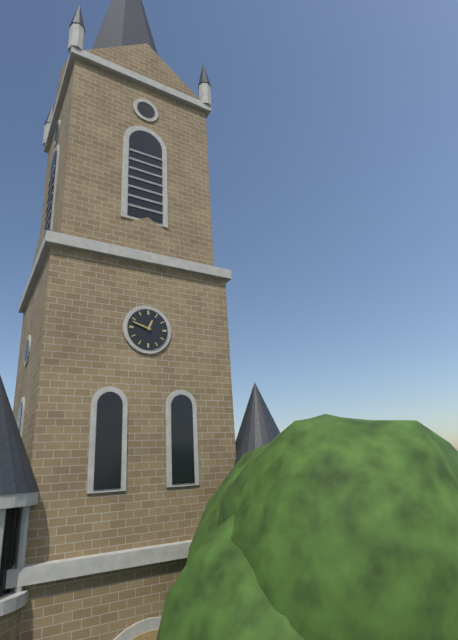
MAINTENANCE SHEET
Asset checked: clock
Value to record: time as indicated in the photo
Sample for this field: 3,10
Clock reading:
12,48
